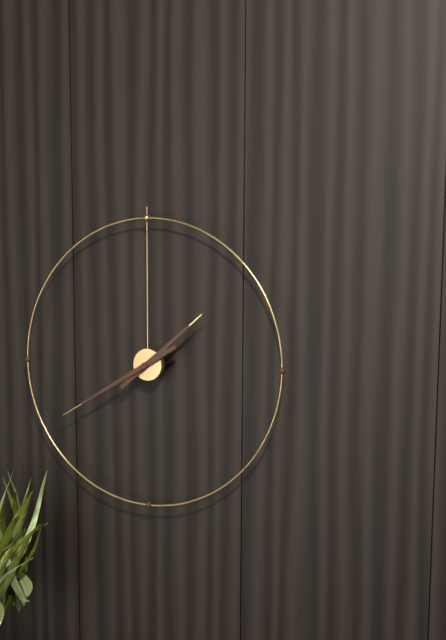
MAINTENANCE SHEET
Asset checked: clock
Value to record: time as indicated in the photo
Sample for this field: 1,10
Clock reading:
1,40
